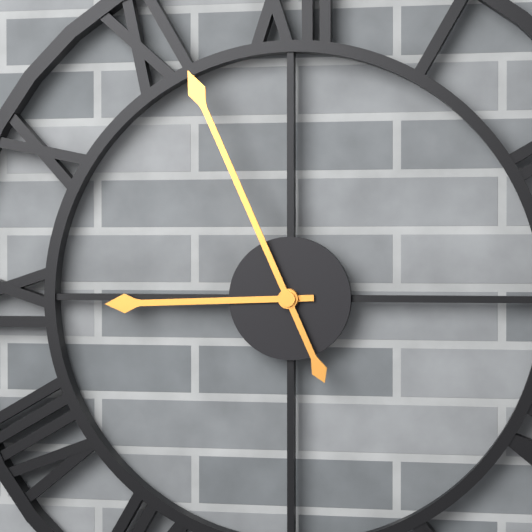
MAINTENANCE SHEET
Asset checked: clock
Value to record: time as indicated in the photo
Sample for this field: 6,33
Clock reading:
8,56
